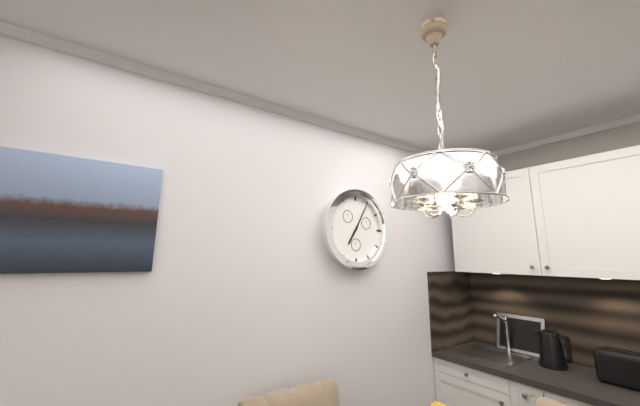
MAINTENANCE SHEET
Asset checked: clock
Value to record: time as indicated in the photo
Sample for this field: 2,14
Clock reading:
7,05
